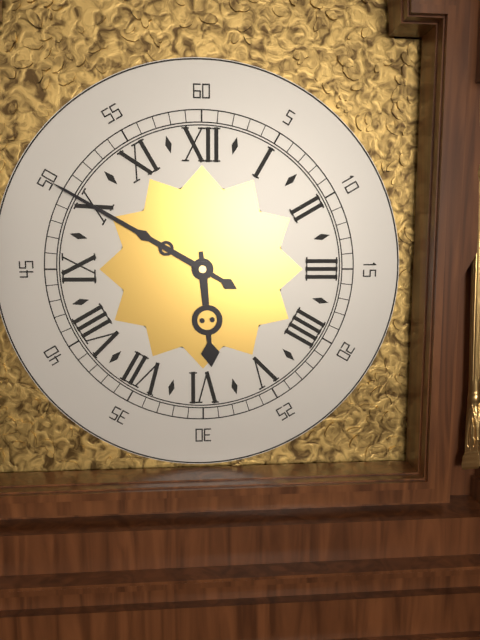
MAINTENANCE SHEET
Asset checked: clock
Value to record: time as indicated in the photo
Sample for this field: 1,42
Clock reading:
5,50
